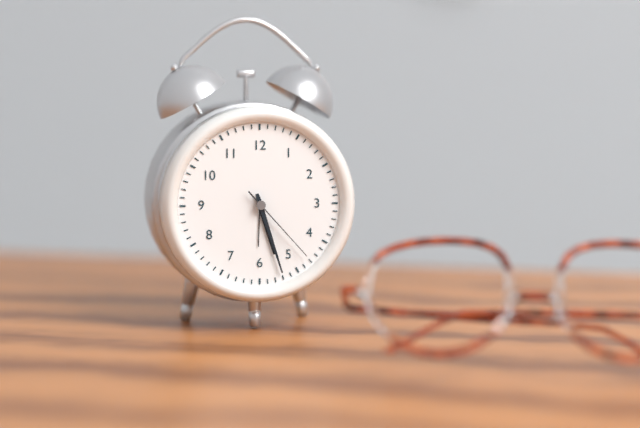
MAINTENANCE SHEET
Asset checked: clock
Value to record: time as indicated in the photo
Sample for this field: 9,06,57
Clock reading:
5,27,23
